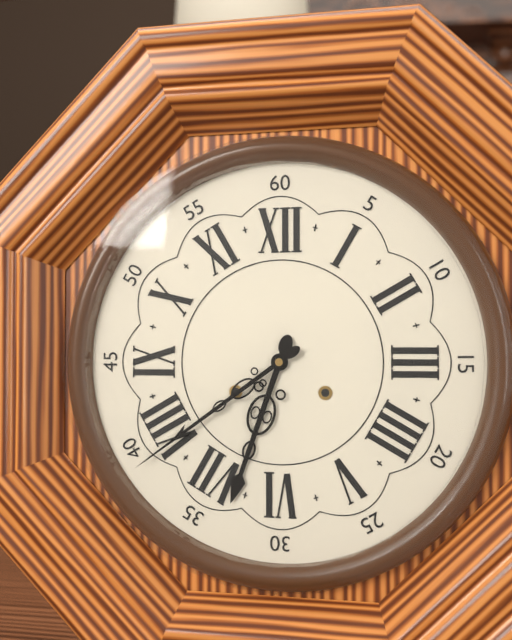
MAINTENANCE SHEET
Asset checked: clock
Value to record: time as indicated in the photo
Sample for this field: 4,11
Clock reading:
6,39
